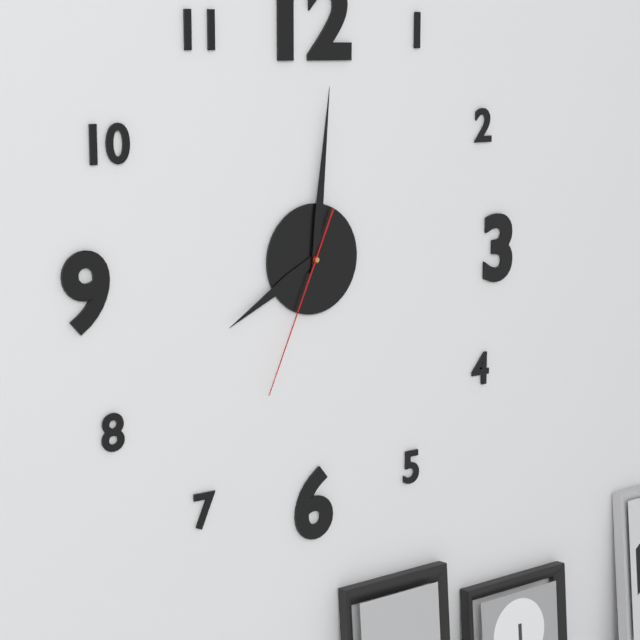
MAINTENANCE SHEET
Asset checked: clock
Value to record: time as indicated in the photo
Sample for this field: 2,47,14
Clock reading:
8,01,34
